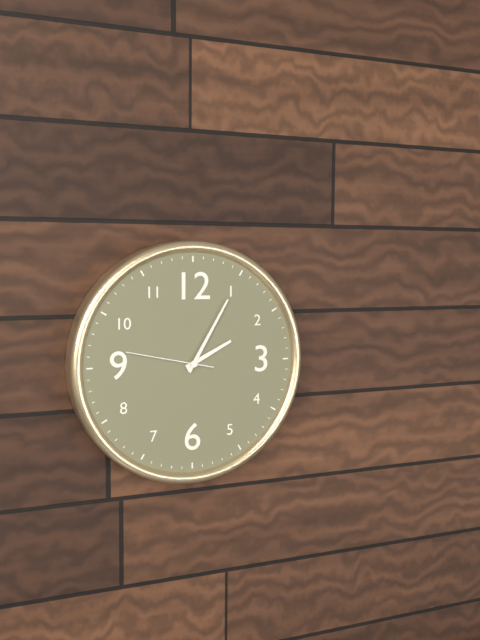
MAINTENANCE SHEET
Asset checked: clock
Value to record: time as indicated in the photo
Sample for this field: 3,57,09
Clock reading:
2,05,47
